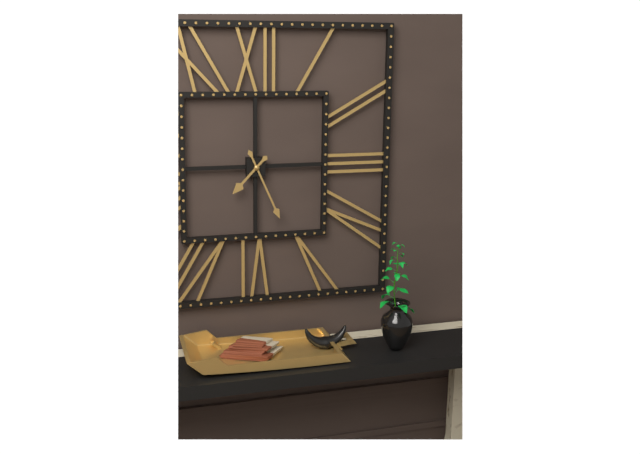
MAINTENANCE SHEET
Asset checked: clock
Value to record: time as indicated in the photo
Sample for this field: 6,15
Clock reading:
7,26
